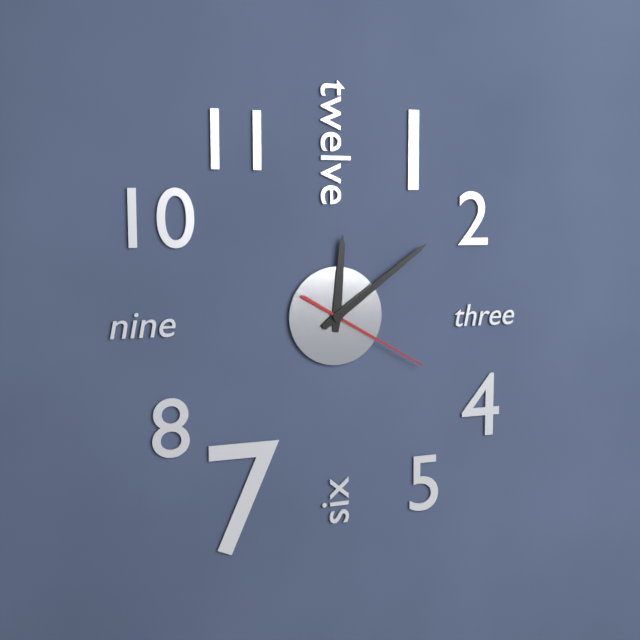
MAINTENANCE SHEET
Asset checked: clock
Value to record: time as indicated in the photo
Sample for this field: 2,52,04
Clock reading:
12,09,20
